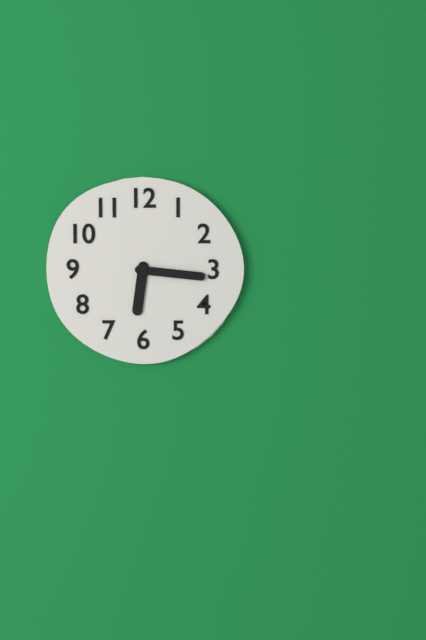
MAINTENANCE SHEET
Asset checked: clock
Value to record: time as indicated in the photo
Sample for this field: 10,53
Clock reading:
6,16
